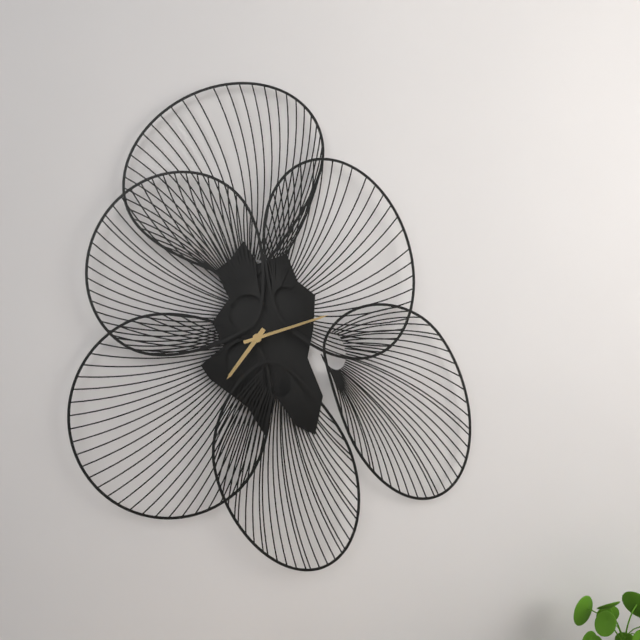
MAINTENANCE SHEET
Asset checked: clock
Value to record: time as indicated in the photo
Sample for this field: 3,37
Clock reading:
7,12
